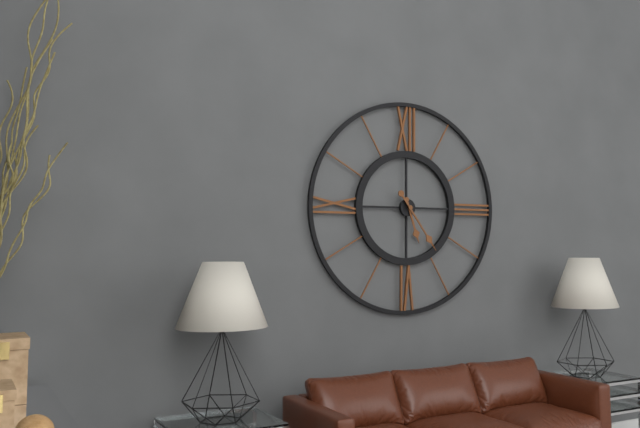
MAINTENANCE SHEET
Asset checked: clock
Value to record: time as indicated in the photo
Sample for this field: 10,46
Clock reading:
5,24
